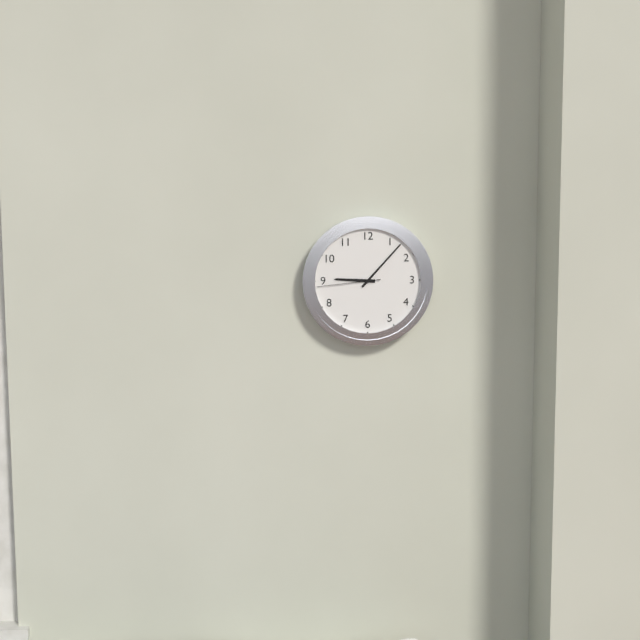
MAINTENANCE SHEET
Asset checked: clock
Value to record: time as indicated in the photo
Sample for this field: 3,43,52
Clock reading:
9,07,44
